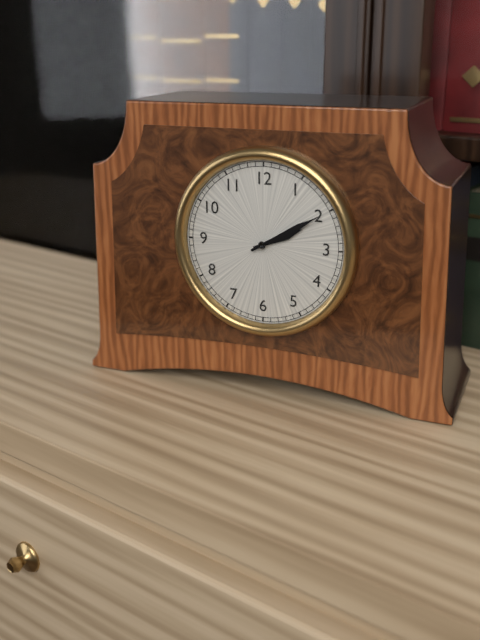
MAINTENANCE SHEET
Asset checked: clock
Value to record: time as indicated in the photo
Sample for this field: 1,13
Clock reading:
2,10
